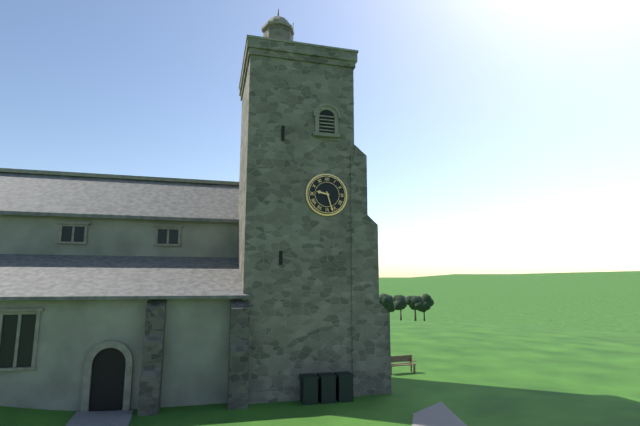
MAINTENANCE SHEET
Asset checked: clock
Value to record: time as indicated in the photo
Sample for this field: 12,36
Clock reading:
9,27
